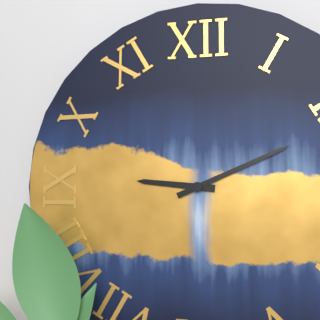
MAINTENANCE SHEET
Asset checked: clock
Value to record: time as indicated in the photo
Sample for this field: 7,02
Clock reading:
9,11
